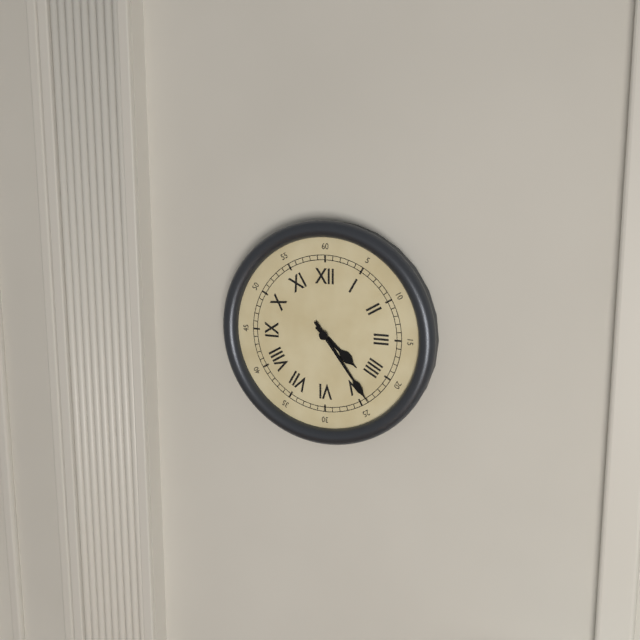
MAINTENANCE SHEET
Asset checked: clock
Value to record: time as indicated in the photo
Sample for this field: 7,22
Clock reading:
4,24
